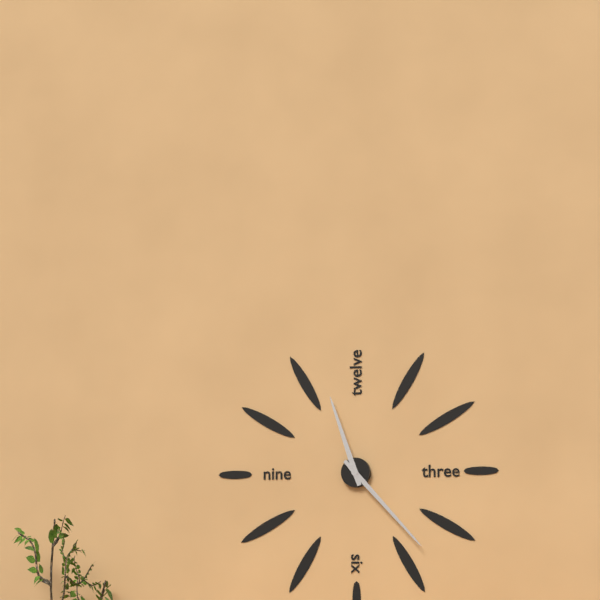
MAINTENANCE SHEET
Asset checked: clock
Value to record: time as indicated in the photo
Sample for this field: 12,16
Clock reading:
11,23
